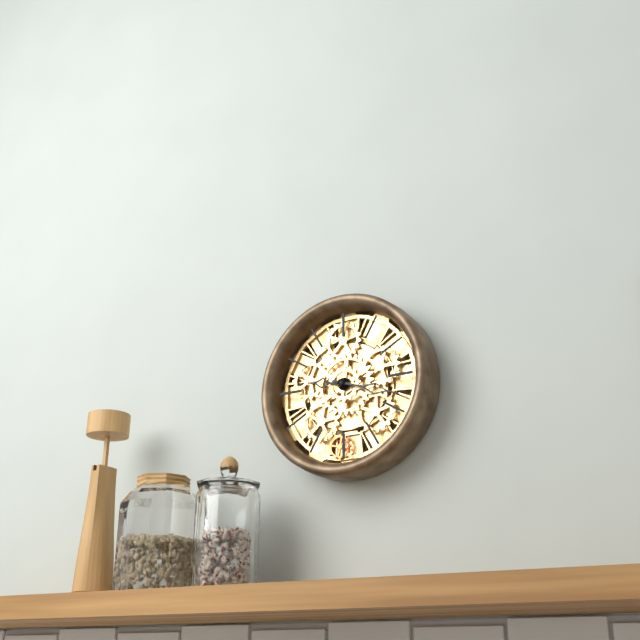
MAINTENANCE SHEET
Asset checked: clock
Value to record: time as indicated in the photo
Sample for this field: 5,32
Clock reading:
9,18
